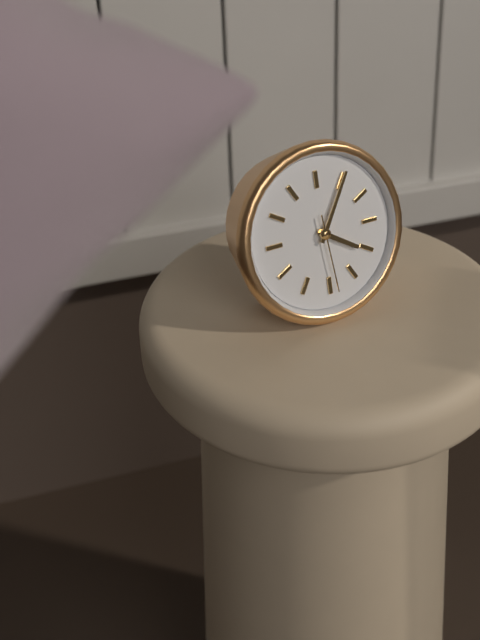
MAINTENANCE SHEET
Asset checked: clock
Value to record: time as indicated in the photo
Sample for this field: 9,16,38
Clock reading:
4,05,29
